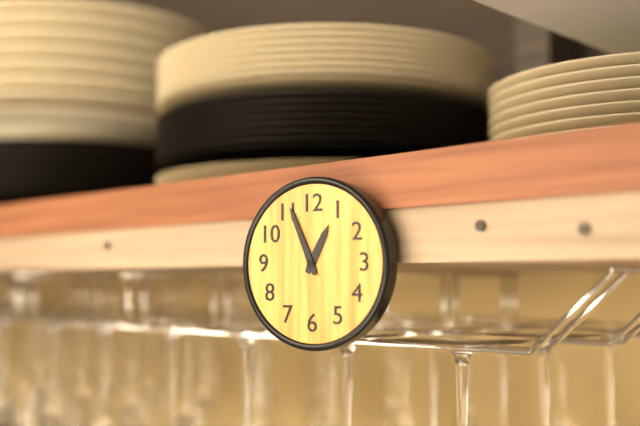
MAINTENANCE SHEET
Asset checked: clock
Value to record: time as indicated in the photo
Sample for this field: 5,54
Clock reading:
12,56
